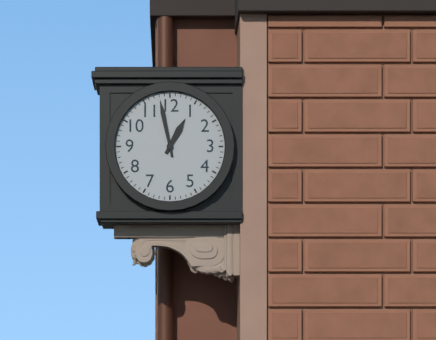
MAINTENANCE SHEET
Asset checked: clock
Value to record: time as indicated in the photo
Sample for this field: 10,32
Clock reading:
12,58
